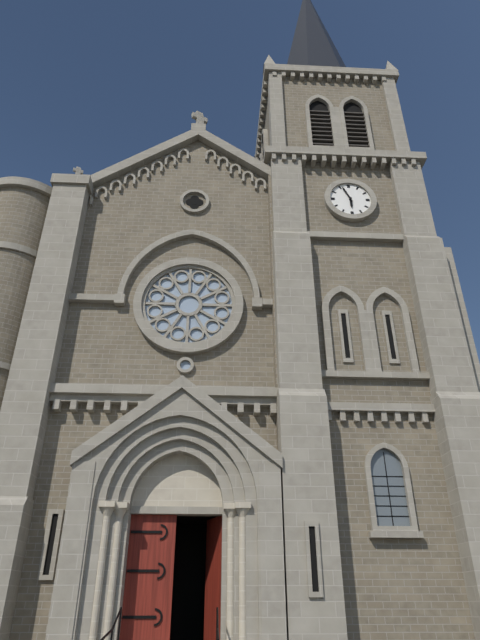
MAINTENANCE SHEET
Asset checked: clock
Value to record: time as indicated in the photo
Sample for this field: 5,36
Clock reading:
5,56
